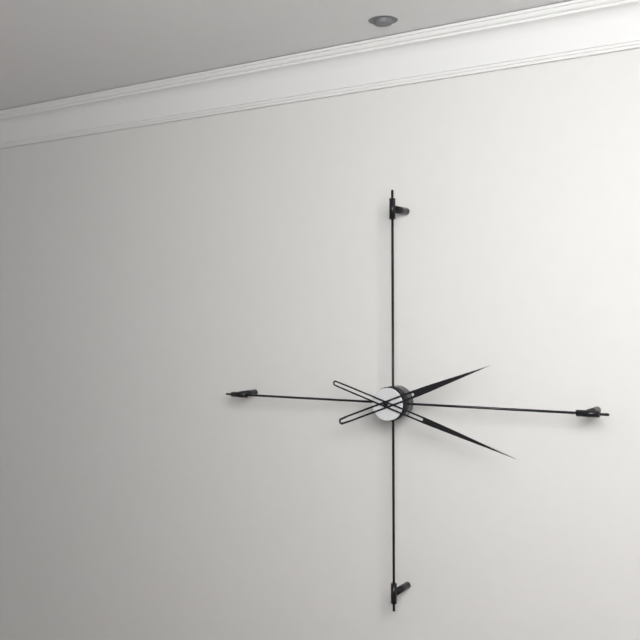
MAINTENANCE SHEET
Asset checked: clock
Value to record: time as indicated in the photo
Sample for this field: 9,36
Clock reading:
2,18
